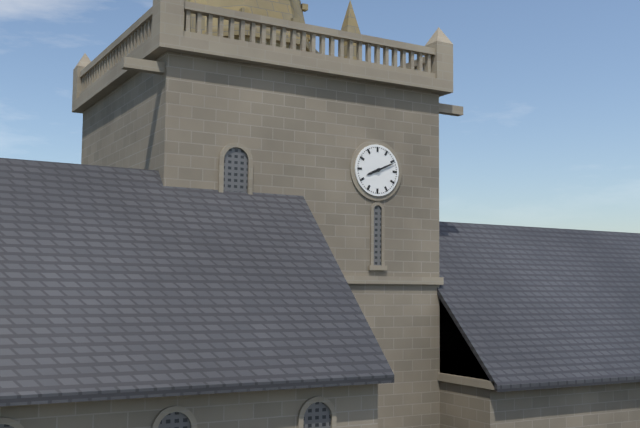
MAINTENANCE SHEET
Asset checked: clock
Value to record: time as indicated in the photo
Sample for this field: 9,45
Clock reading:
8,11
